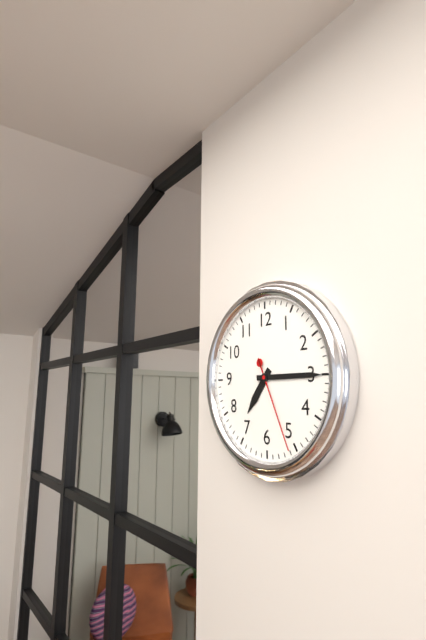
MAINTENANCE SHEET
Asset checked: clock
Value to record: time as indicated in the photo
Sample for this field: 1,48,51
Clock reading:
7,15,26
